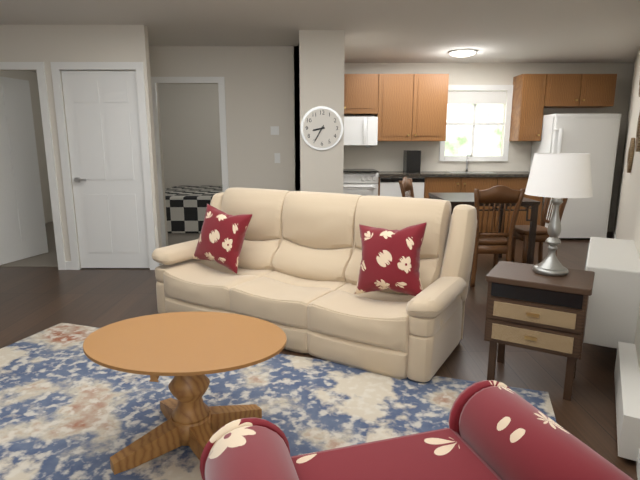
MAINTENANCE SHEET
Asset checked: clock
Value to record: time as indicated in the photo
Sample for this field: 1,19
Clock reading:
8,35
